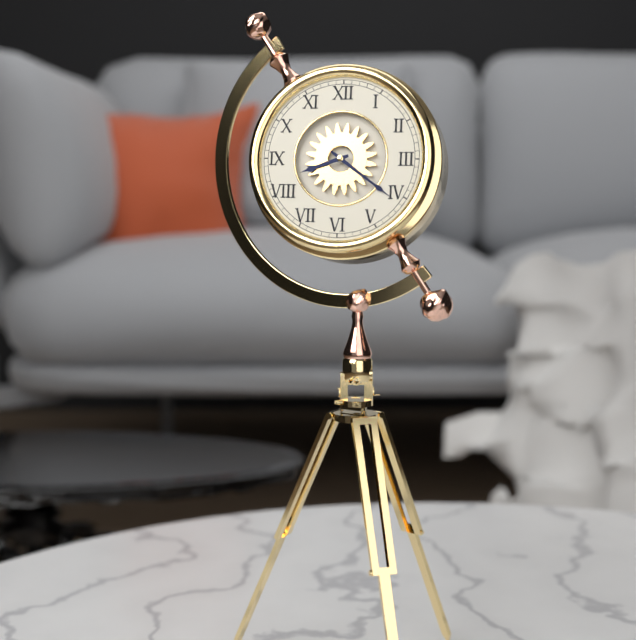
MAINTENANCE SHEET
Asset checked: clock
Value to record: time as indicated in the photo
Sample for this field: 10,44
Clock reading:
8,21
